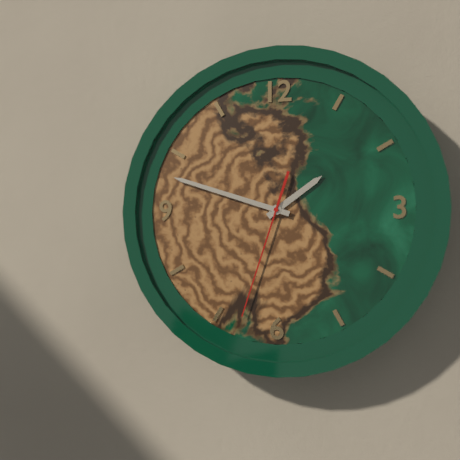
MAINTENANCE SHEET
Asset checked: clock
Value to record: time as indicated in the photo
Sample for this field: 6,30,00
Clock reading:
1,48,33
